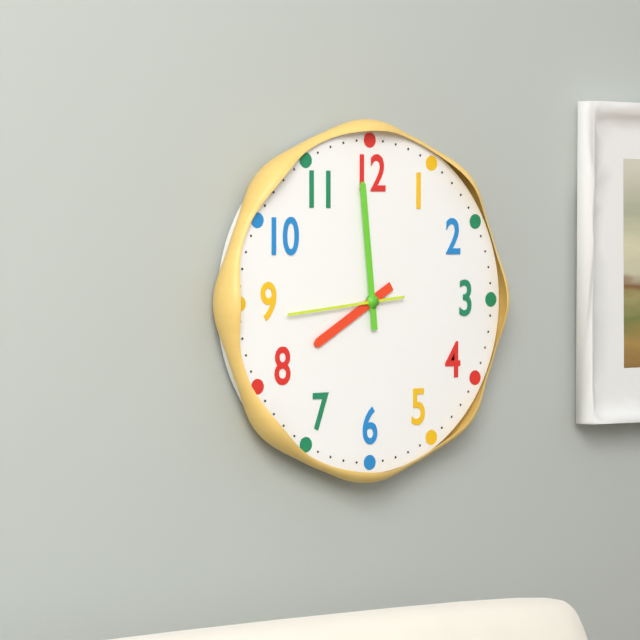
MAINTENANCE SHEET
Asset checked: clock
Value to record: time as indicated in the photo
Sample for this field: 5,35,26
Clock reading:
7,59,44
